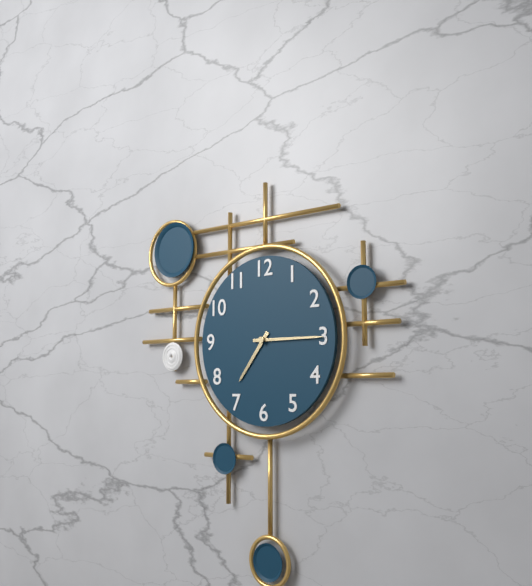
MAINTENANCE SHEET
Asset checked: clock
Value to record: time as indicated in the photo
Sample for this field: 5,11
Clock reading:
7,15
